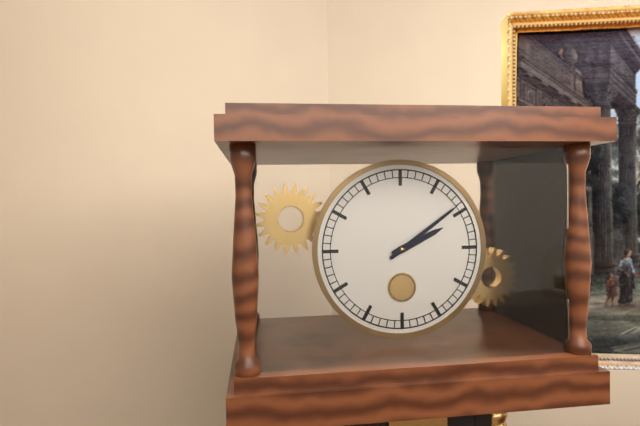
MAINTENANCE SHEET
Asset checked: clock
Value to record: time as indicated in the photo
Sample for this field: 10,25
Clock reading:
2,09
